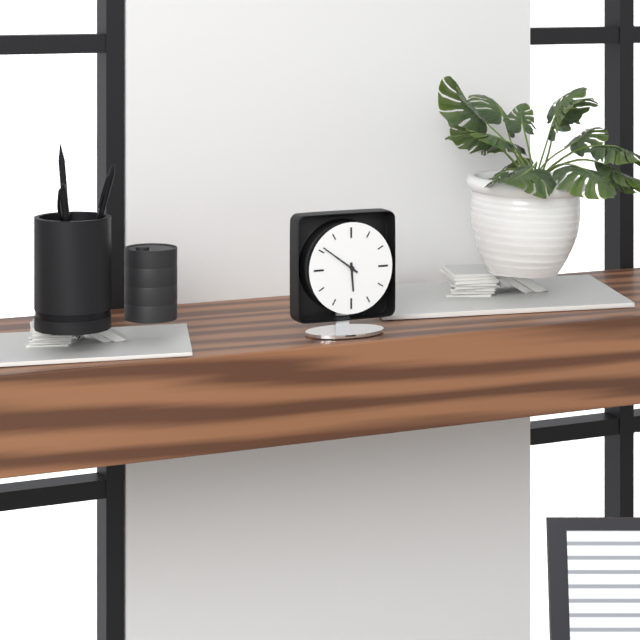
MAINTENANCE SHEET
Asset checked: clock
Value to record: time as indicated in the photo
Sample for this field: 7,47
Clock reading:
5,51
